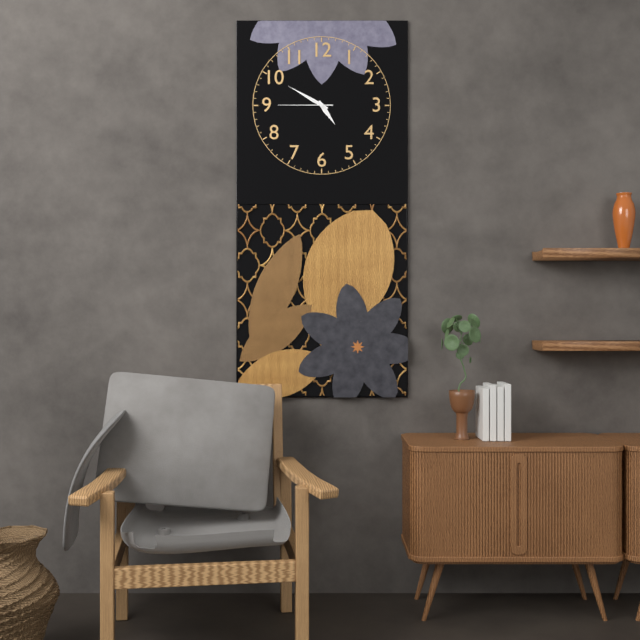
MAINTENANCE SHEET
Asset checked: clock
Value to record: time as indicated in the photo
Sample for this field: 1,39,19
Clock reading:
4,50,45
